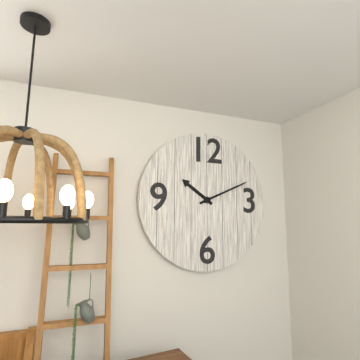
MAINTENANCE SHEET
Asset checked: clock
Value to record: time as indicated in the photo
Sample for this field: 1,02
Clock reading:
10,11
